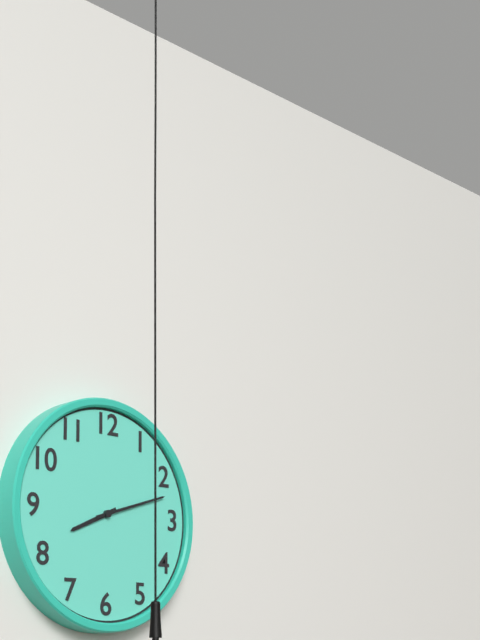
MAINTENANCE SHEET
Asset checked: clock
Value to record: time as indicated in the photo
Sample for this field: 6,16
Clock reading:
8,12
